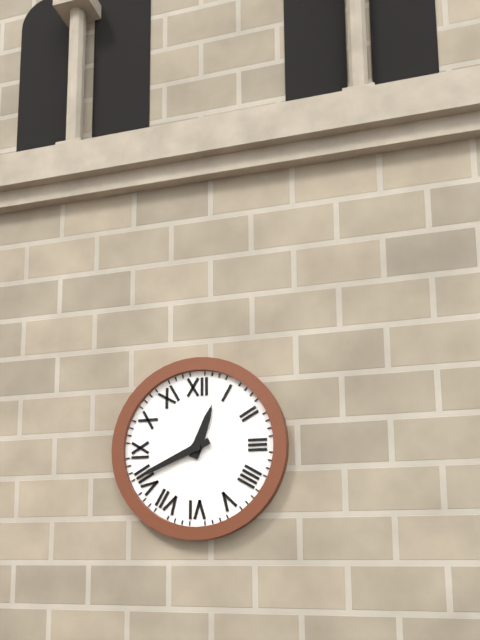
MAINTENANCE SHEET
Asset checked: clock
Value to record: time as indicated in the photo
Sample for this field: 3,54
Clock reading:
12,41
